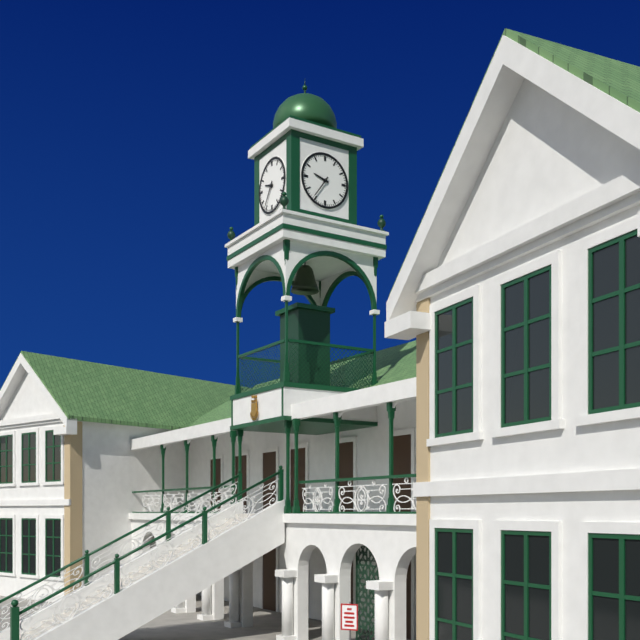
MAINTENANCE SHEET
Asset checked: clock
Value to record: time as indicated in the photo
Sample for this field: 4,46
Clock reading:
9,36
